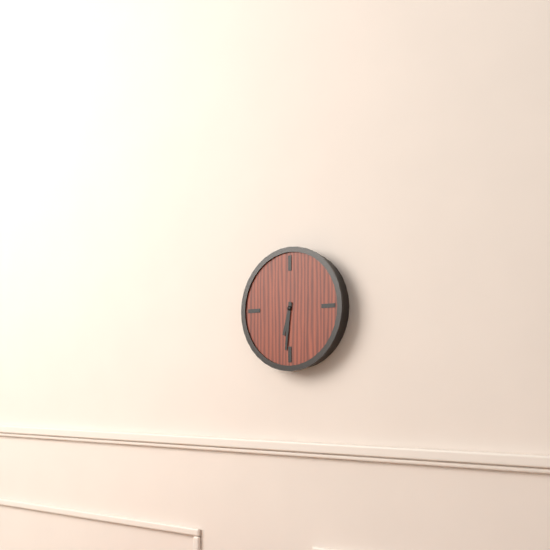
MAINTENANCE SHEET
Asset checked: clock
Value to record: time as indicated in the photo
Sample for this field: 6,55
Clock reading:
6,31
